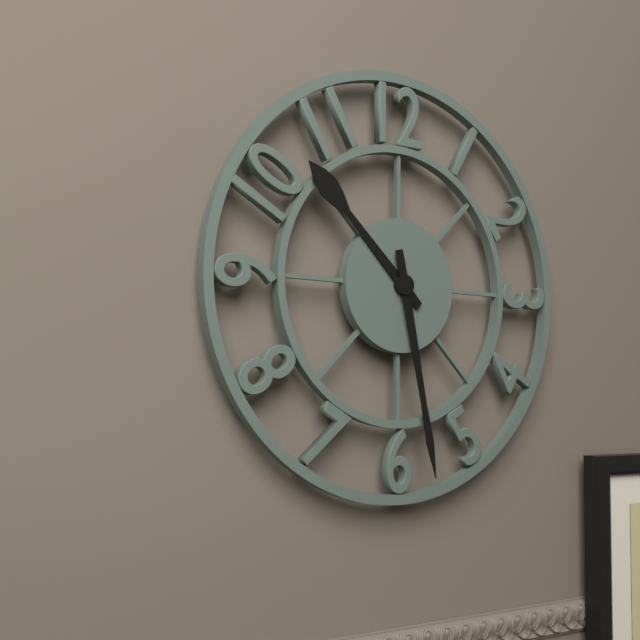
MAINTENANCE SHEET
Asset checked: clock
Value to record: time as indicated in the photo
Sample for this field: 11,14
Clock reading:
10,28
